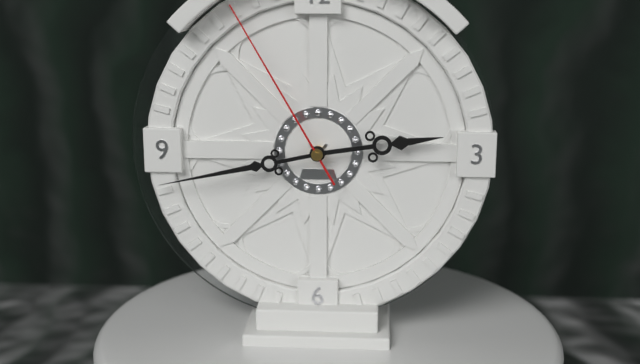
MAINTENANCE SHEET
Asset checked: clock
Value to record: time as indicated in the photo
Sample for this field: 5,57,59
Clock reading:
2,43,55
